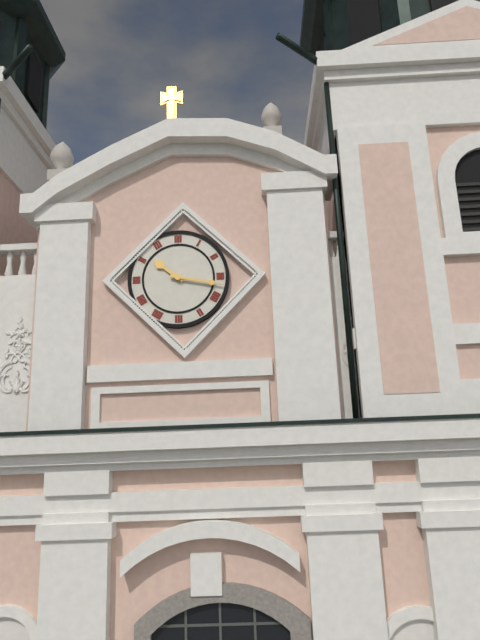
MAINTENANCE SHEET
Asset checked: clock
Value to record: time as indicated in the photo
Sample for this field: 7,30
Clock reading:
10,17
